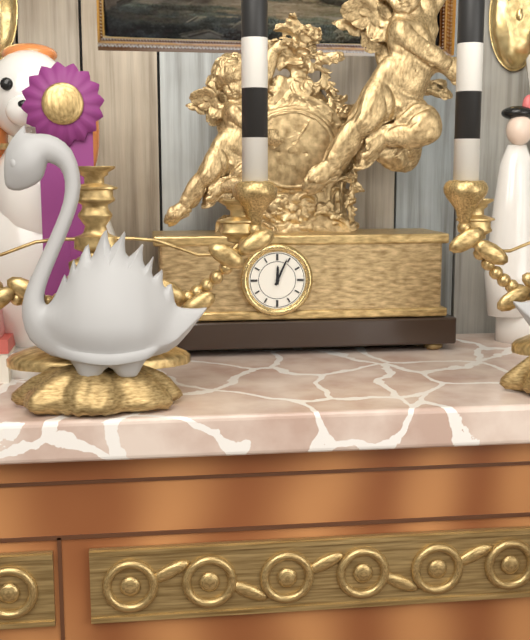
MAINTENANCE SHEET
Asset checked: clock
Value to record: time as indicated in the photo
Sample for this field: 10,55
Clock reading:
12,04
